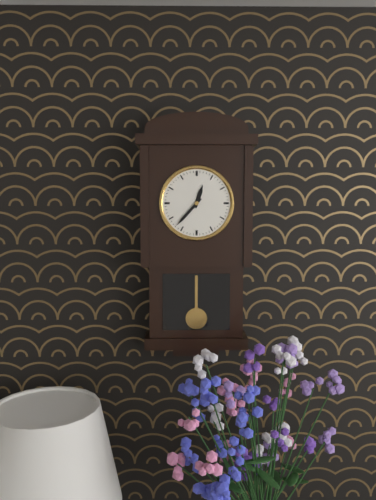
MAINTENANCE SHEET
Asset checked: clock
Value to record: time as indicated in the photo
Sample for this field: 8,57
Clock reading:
12,37
